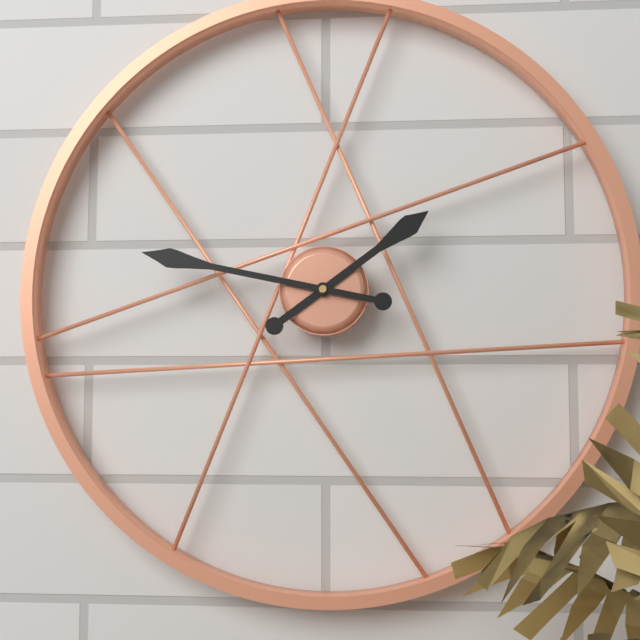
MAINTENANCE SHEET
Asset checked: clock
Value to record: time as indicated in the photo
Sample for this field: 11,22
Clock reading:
1,47
